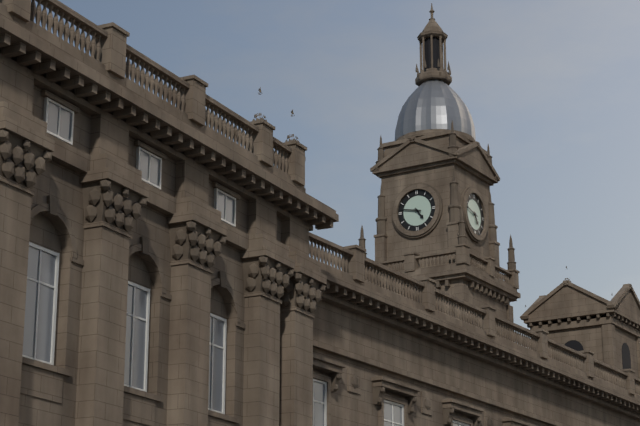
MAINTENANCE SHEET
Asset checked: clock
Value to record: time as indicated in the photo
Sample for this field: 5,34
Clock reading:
4,47
